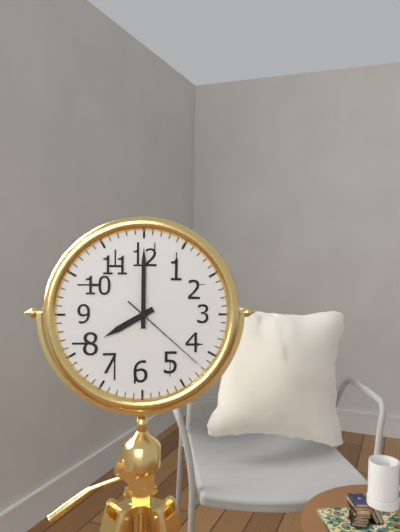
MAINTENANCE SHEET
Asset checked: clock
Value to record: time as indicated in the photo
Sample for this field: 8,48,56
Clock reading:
8,00,22
